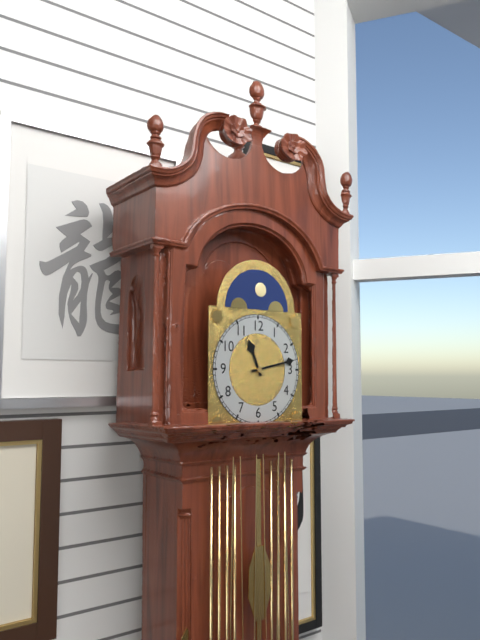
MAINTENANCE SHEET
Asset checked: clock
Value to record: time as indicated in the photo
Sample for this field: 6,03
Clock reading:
11,13
